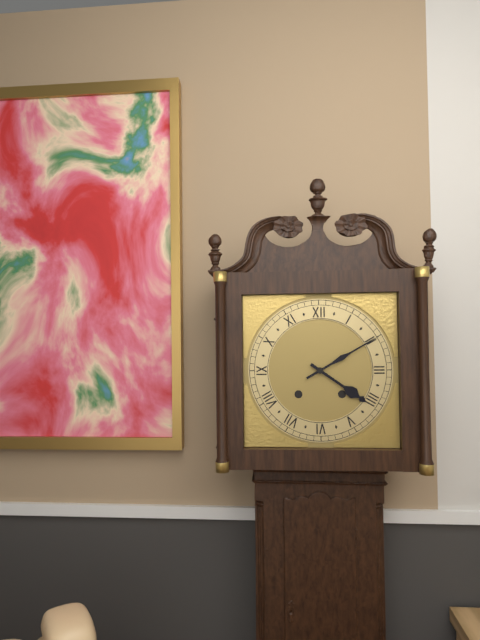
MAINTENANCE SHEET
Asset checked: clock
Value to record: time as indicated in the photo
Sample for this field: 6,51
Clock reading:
4,10
